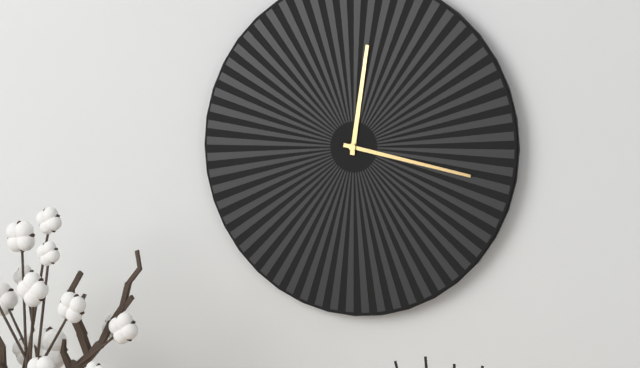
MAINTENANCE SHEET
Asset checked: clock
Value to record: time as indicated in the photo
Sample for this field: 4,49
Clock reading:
12,17
